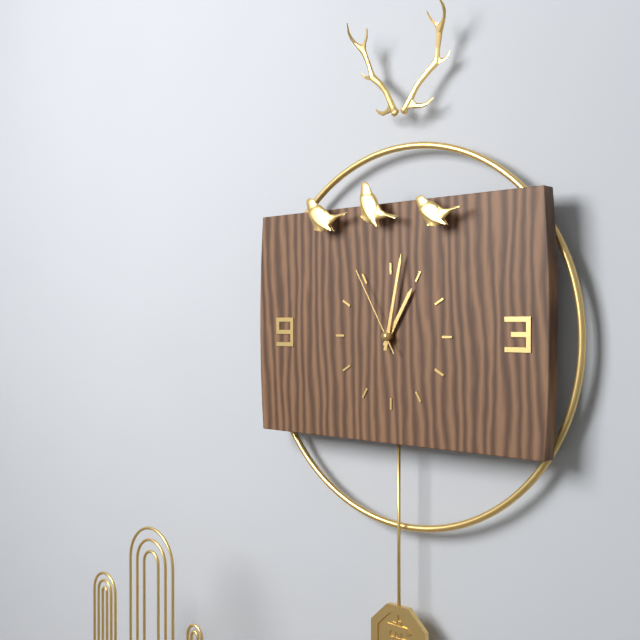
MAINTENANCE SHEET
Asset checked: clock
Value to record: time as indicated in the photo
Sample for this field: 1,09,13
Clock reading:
1,02,55
